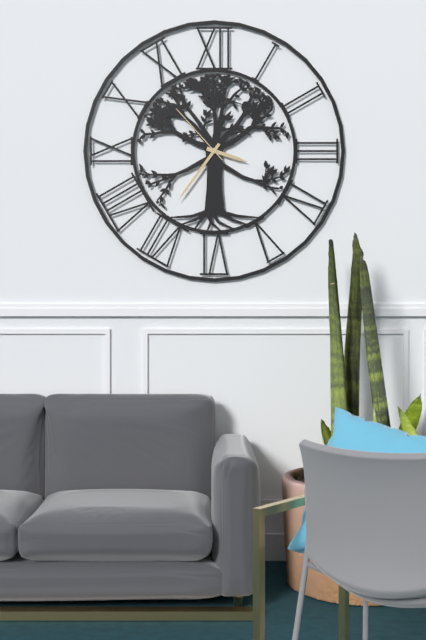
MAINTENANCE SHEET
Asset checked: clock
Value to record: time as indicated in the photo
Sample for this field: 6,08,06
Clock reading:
3,36,53
